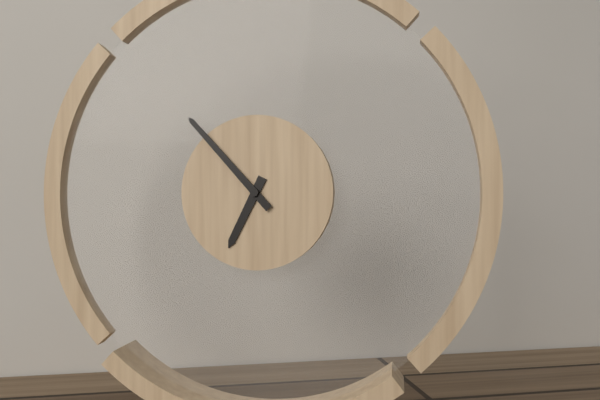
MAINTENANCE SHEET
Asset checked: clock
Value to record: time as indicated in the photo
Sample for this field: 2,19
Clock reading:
6,53
